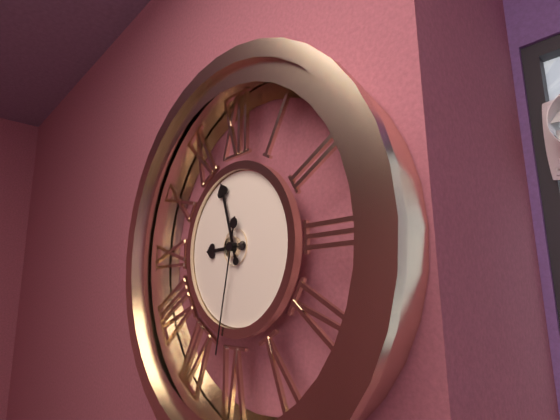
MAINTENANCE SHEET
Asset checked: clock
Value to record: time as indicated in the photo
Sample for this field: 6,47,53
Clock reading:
8,57,32
